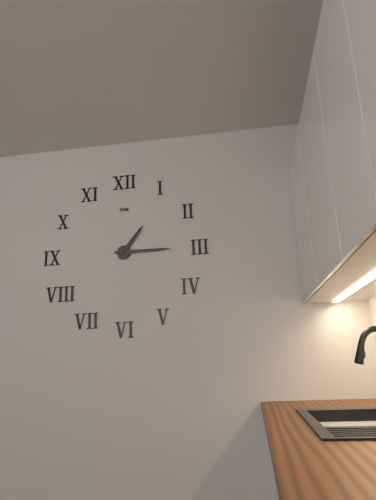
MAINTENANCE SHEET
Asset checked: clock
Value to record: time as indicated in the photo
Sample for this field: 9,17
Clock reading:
1,15
